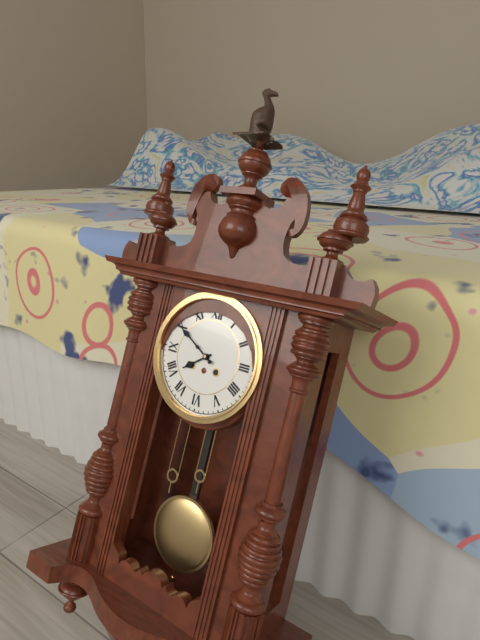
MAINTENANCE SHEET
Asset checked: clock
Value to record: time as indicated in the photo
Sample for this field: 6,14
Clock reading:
7,50
